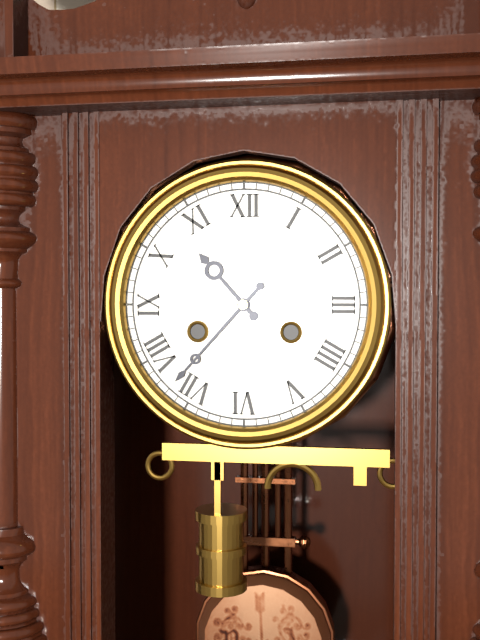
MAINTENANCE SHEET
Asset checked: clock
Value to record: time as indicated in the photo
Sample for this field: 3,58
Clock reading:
10,37
